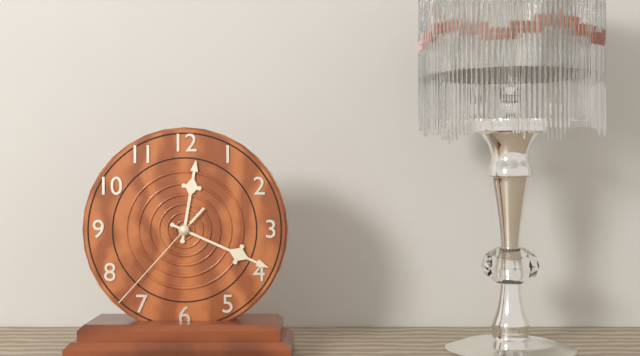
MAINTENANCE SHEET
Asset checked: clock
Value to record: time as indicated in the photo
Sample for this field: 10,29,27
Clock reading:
12,19,37
